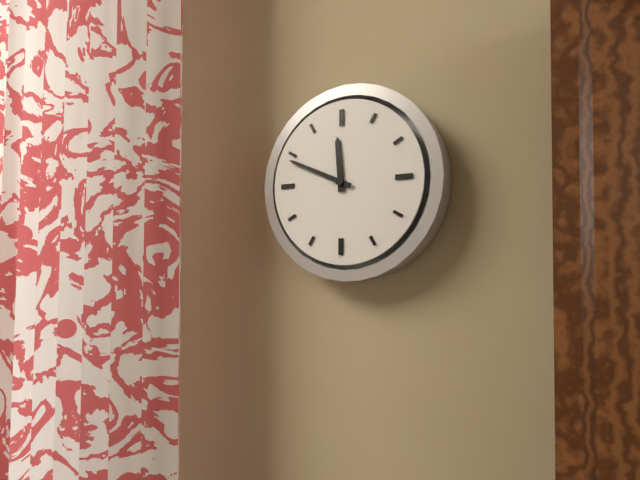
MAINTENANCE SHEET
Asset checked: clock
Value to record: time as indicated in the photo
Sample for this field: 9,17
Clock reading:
11,49
